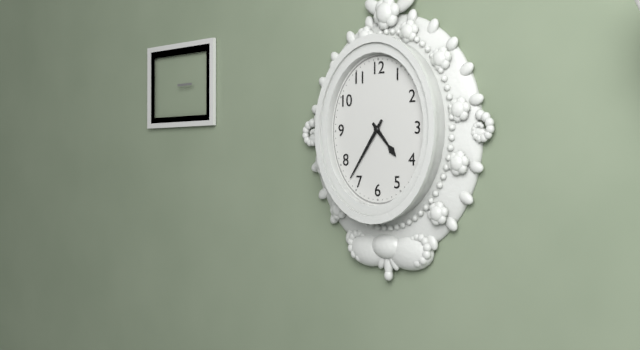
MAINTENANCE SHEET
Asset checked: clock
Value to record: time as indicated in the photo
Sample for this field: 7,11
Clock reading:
4,36
